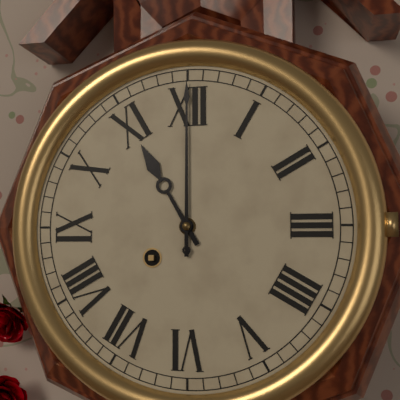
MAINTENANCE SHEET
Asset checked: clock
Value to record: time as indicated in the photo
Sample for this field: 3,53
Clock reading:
11,00
